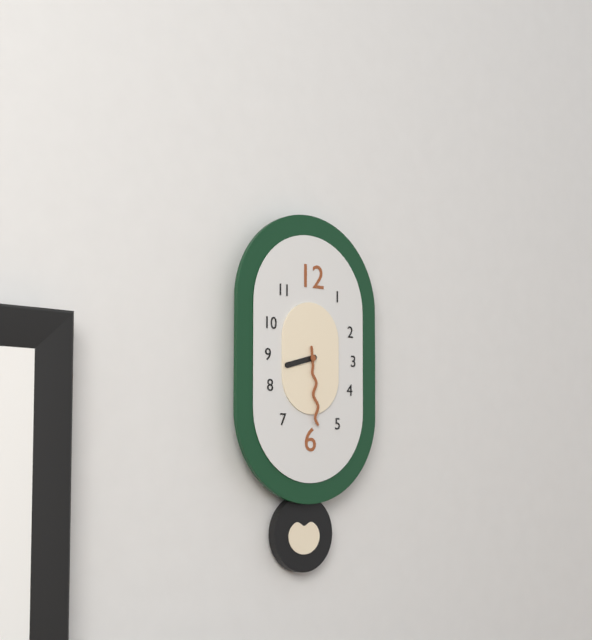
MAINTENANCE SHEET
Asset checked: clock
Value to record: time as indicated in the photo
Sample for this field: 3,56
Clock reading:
8,29
